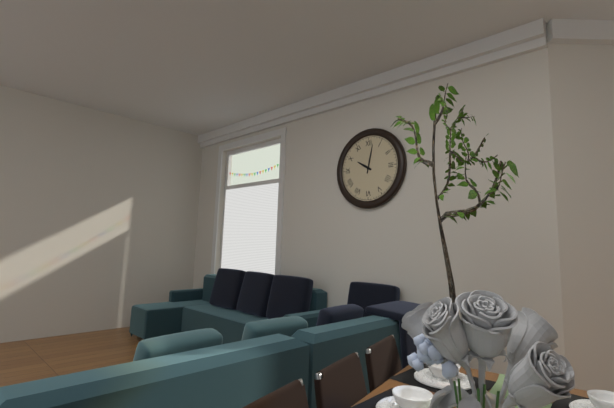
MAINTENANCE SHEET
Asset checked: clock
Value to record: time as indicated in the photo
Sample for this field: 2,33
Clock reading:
10,02
